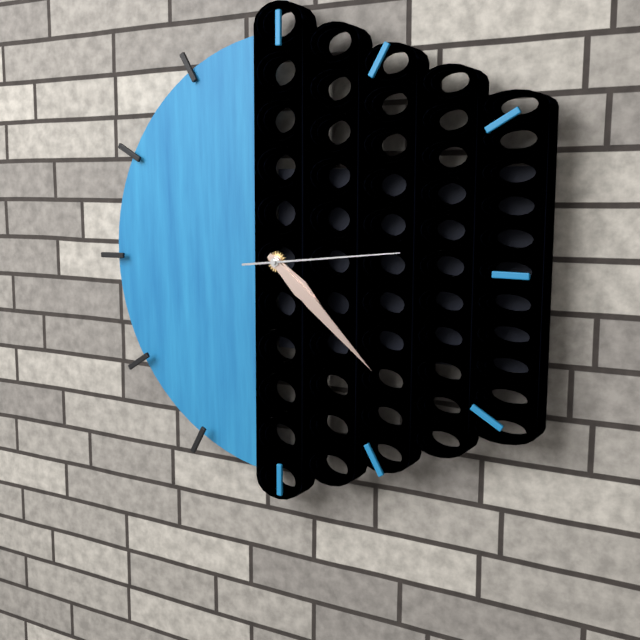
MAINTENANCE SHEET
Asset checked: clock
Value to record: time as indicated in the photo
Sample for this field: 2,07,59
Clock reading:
4,22,14
